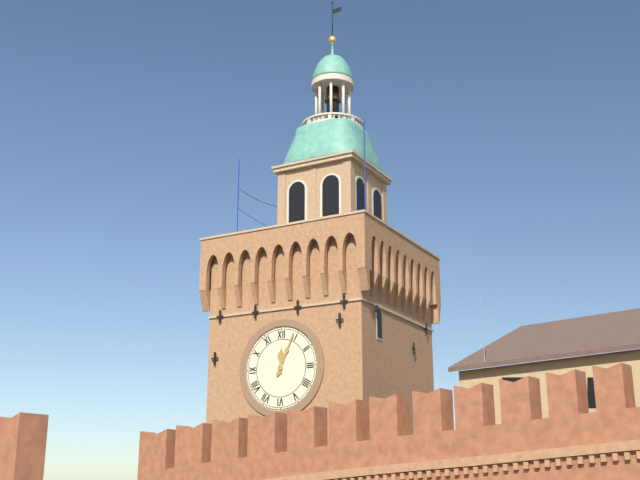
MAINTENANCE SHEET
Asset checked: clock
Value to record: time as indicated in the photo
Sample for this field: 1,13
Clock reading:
12,04
